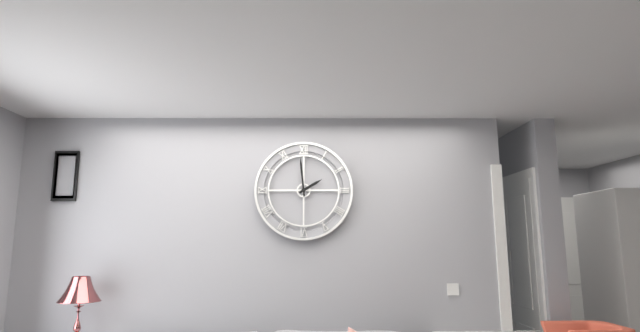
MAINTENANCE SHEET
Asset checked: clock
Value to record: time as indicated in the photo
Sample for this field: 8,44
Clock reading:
1,59
